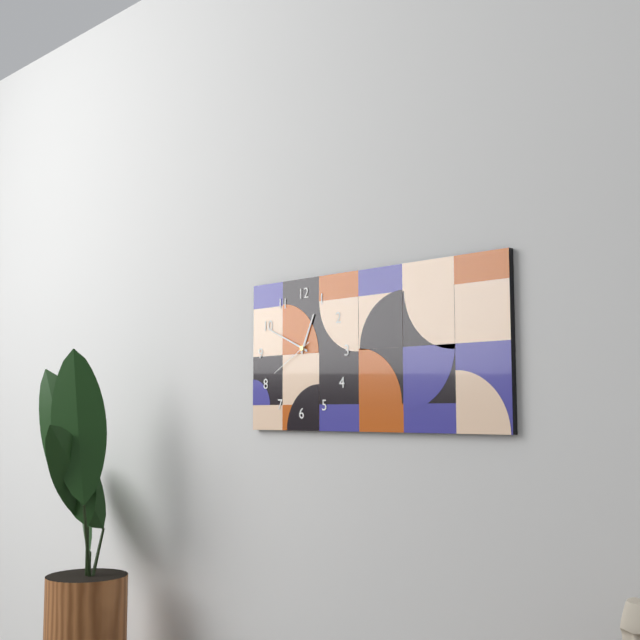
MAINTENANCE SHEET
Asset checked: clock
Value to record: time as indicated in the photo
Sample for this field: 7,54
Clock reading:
12,49
